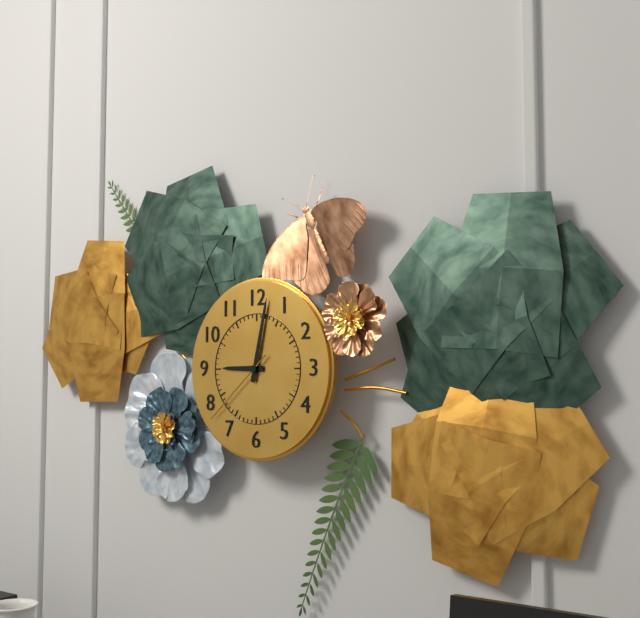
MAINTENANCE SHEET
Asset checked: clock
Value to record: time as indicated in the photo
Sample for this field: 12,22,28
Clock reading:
9,02,38
